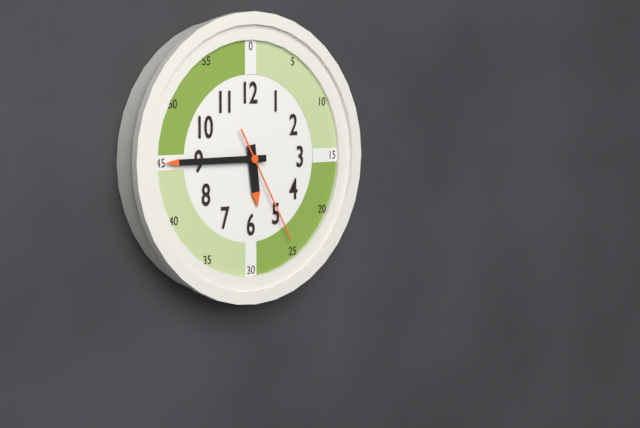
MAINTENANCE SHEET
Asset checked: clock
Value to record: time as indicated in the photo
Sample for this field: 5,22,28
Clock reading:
5,45,25
